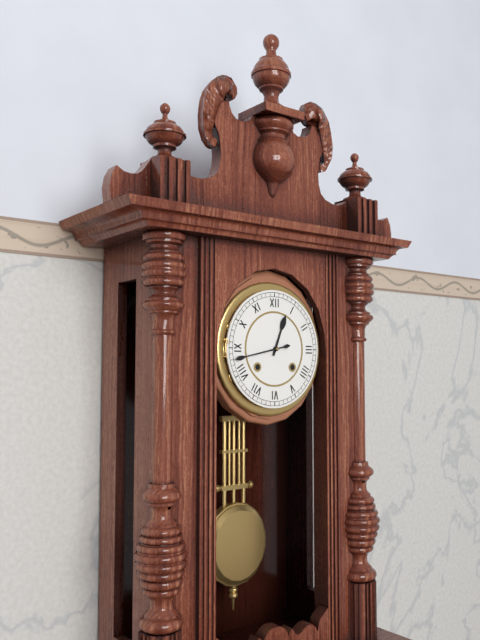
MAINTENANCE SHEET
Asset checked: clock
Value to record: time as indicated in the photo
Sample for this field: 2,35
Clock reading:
12,43
